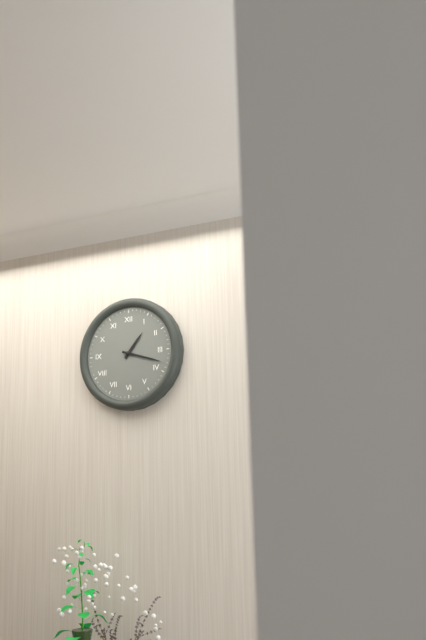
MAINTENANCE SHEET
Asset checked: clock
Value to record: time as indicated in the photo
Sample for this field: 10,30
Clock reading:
1,18
